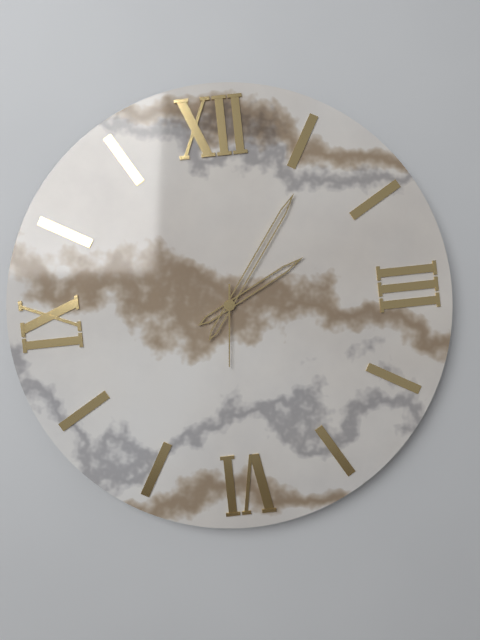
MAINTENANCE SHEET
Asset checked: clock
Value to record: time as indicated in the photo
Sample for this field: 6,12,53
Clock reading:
2,06,31
